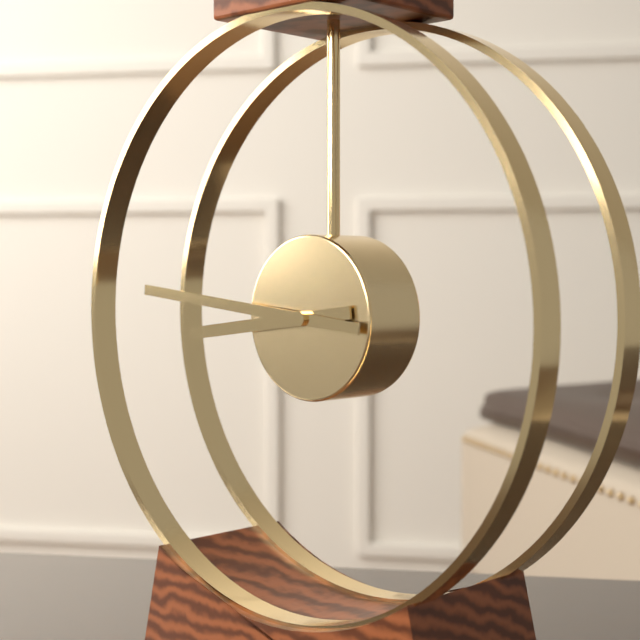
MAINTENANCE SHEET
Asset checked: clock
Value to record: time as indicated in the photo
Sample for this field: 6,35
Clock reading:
8,46
